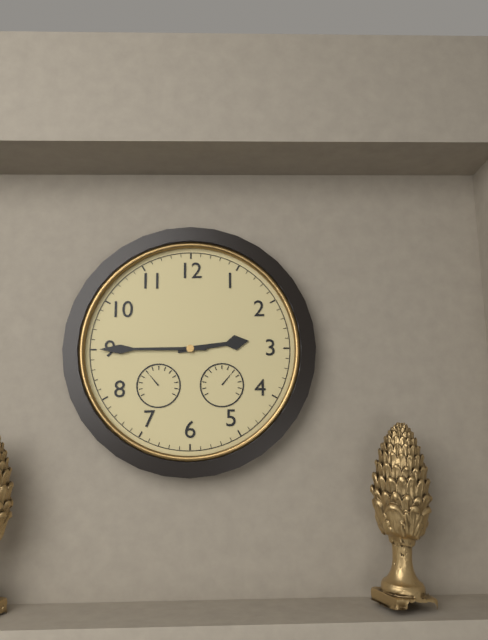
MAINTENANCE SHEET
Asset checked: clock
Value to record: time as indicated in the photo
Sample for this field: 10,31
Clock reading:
2,45
